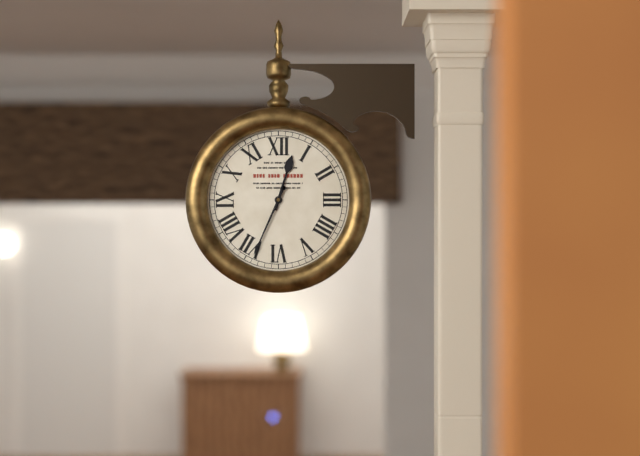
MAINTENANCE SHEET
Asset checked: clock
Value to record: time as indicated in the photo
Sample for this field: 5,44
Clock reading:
12,34
